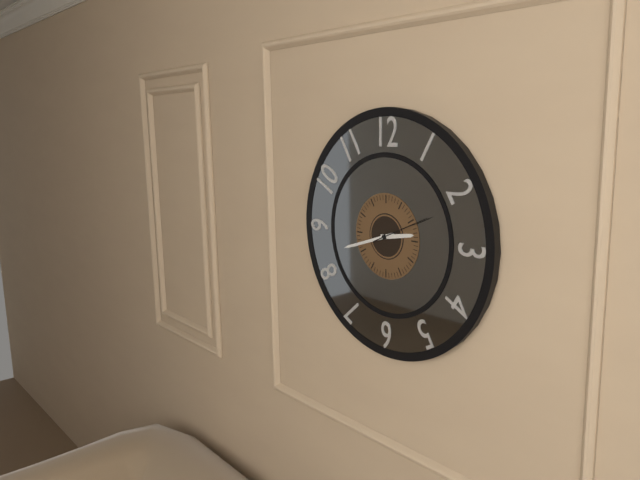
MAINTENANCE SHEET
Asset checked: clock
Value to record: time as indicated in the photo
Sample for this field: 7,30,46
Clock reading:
2,42,11
